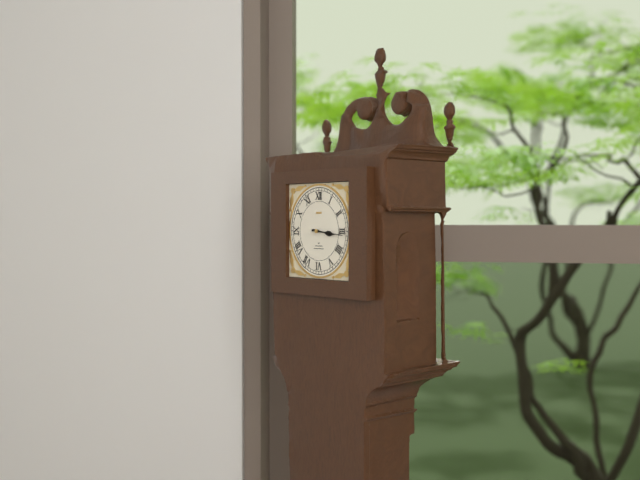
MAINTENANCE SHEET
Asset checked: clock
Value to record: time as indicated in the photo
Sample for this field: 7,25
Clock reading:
3,16
